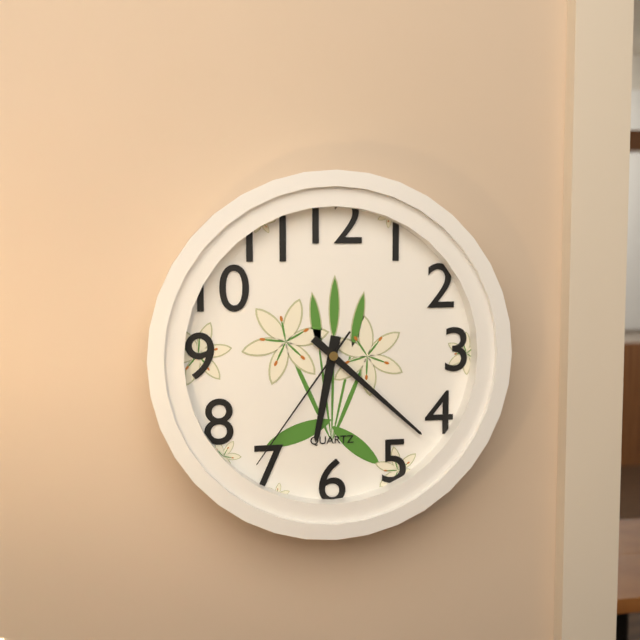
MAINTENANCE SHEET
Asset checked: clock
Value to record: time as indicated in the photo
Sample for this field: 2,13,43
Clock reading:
6,22,36
